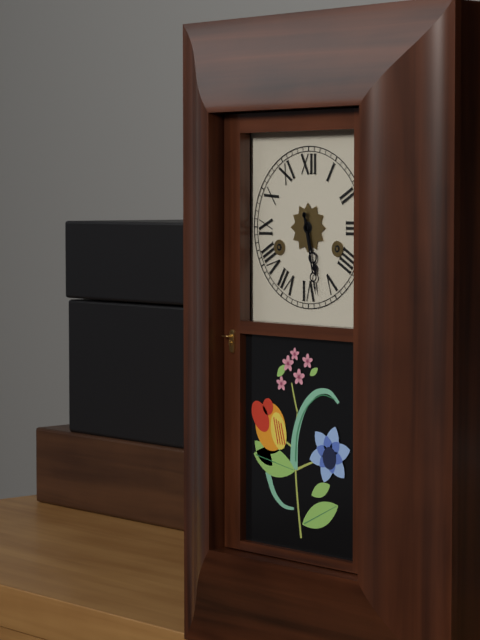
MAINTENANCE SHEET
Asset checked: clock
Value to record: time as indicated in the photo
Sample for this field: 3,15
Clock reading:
5,28
